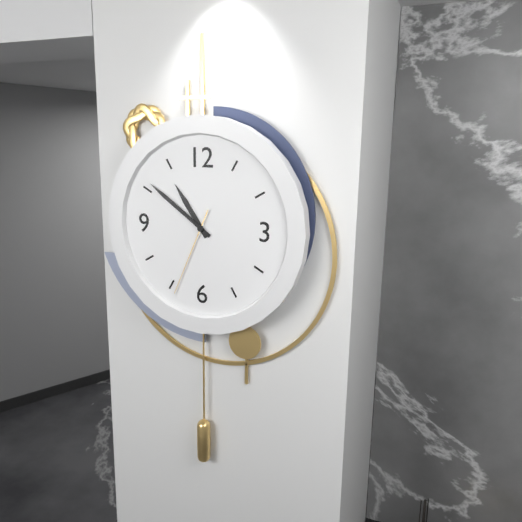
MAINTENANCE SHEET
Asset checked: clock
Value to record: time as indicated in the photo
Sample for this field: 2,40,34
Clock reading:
10,51,34
